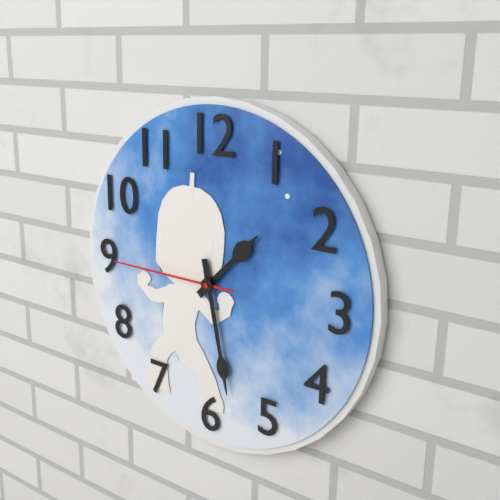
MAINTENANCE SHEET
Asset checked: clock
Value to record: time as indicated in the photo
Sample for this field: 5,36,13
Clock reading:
1,28,45
